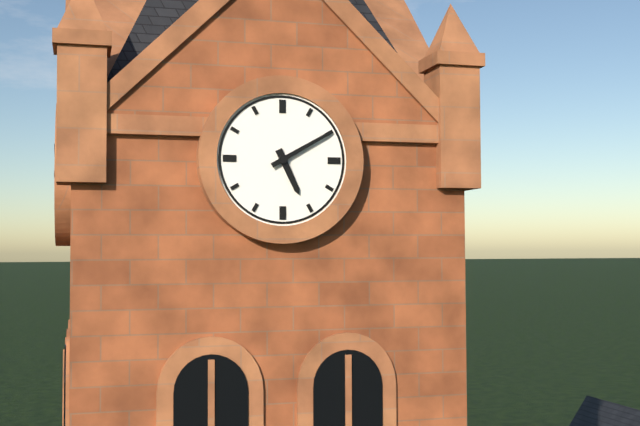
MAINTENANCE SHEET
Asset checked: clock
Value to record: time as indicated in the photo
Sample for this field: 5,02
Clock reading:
5,10
